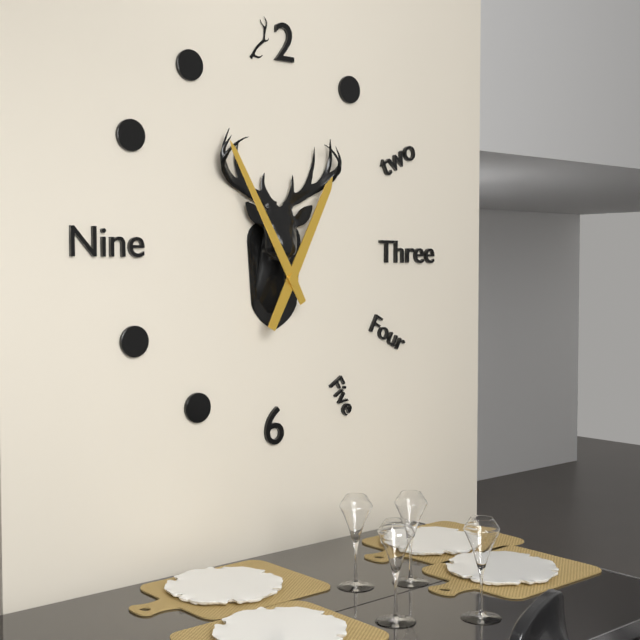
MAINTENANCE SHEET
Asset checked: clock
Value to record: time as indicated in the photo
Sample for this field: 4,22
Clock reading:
12,55
